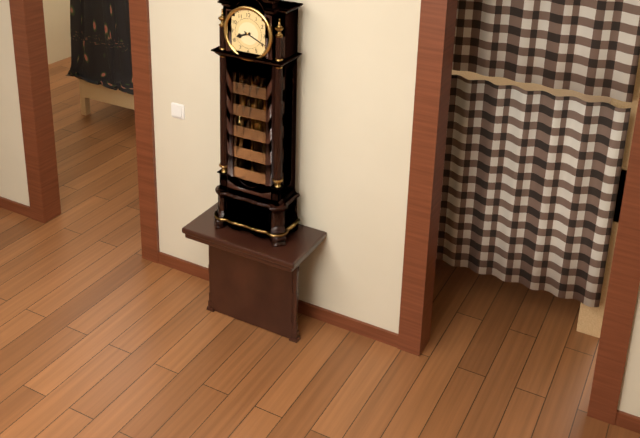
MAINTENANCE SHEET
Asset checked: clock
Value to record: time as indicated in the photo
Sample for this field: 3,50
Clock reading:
8,19
